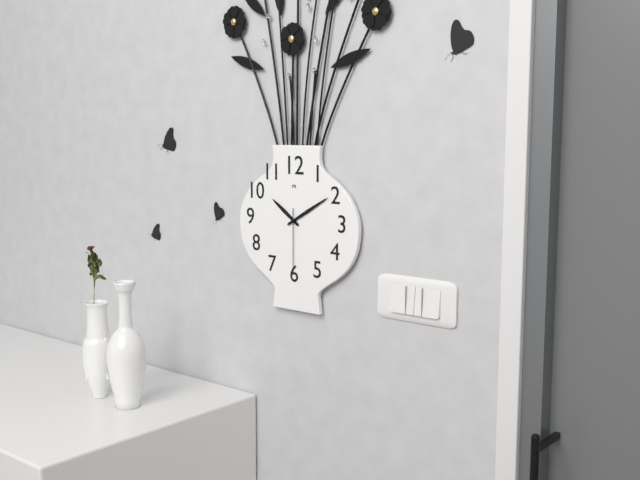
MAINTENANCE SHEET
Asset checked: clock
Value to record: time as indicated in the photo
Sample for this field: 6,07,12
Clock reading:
10,10,30
